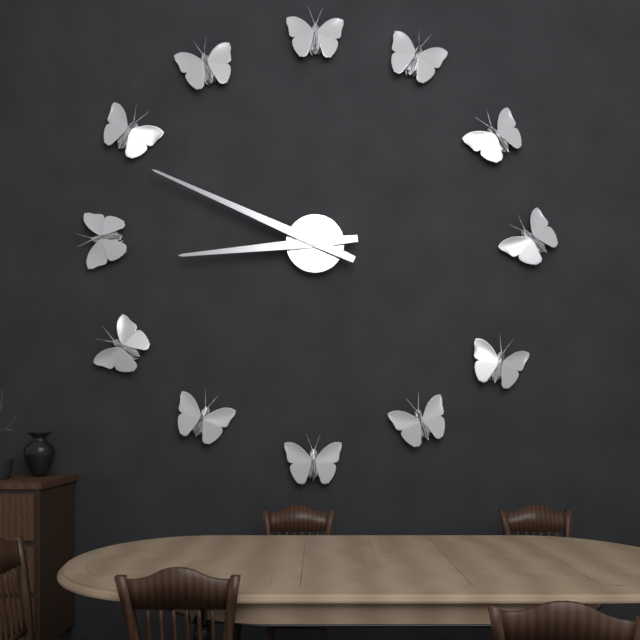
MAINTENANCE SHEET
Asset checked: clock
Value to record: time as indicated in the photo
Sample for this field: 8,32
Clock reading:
8,49
